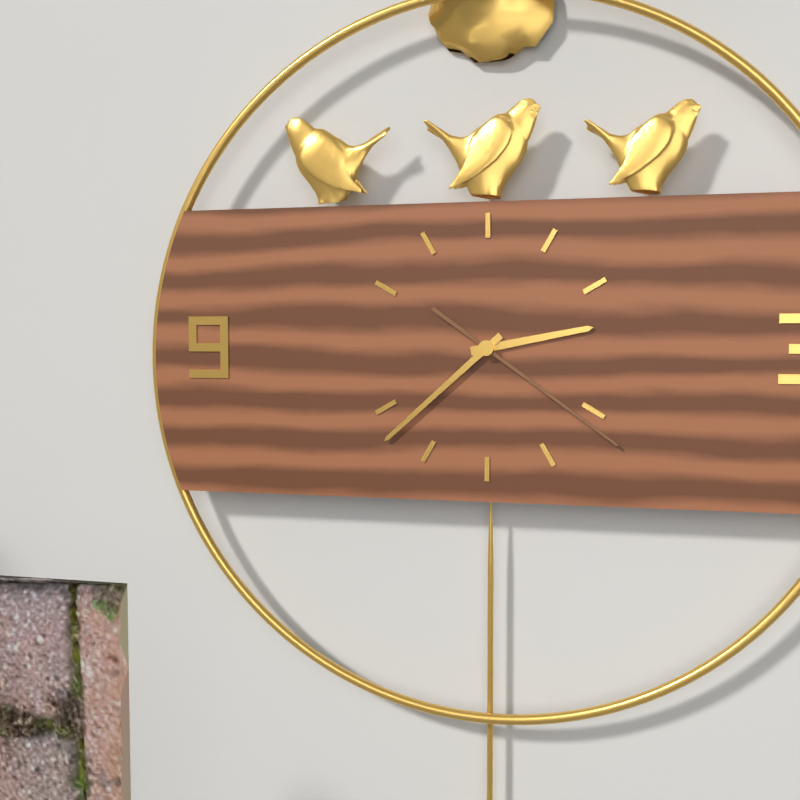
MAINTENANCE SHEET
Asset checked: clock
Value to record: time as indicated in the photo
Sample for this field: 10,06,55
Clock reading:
2,38,21
